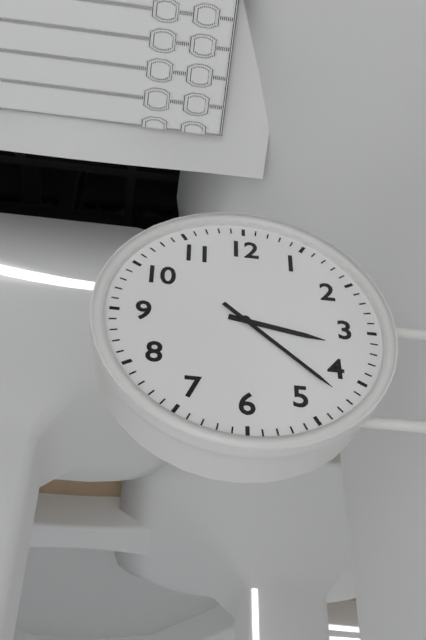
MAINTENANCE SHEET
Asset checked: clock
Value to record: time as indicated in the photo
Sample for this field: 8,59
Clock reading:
3,22
